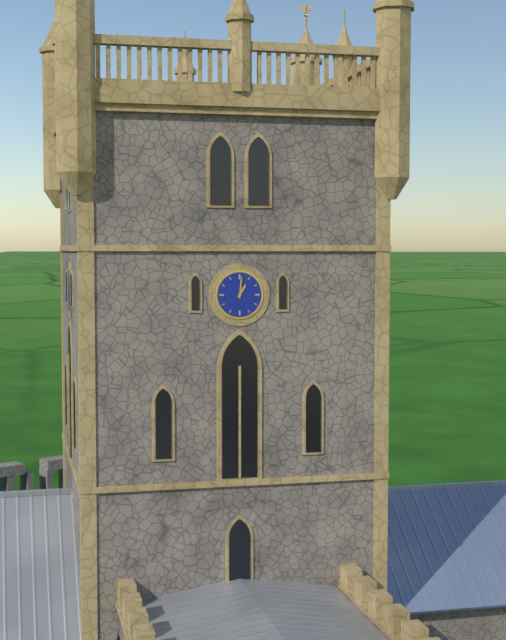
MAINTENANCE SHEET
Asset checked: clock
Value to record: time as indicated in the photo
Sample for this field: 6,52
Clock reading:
1,01
